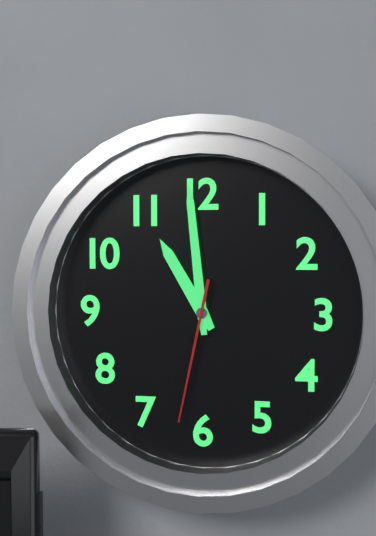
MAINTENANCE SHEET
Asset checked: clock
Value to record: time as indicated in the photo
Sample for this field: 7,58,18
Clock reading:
10,59,32
